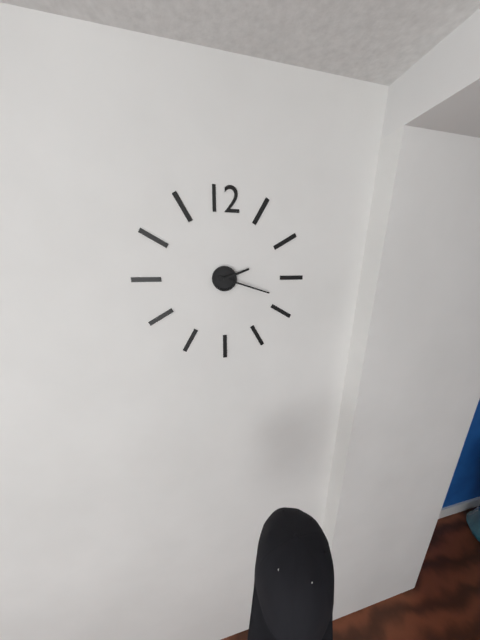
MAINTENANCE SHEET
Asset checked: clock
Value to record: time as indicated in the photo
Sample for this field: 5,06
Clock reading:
2,18
